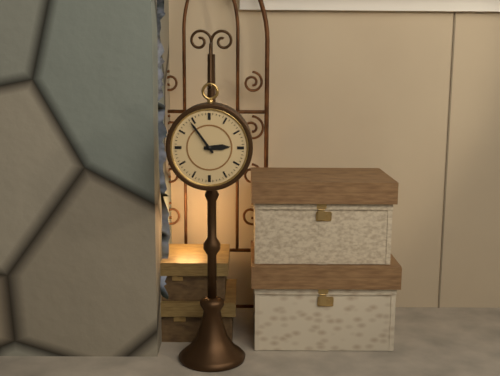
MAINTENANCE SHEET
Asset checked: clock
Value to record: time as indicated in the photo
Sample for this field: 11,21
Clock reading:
2,54
